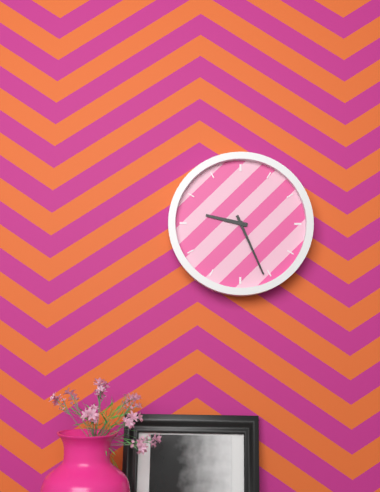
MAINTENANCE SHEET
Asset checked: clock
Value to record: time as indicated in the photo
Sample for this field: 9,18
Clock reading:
9,26
